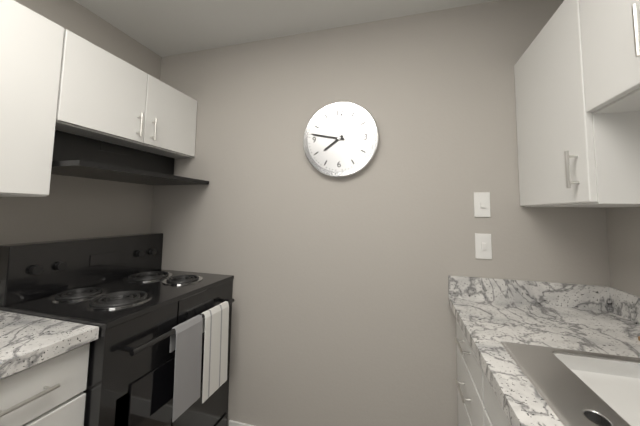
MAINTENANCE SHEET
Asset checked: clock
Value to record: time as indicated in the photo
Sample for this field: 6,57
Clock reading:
7,47
